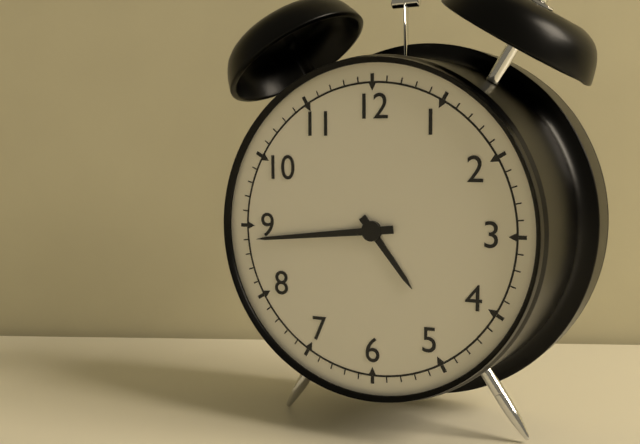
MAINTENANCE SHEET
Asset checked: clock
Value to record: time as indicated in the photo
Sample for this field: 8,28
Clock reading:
4,44
